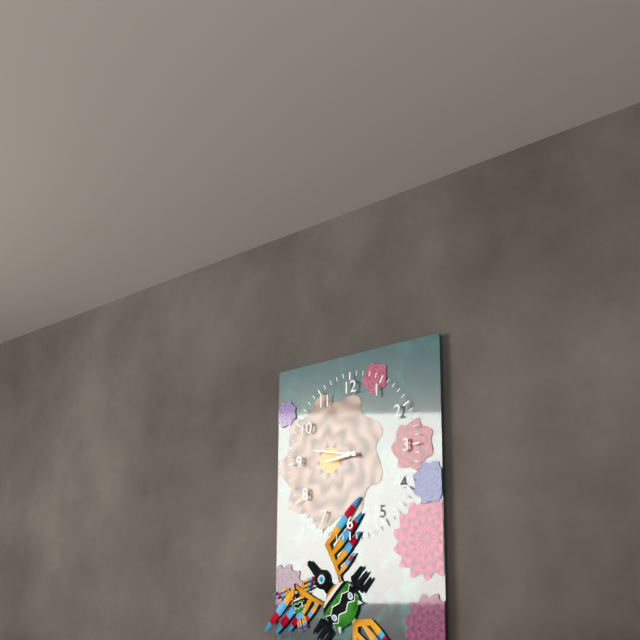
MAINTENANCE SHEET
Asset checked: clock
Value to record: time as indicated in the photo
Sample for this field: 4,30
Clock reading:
8,47
